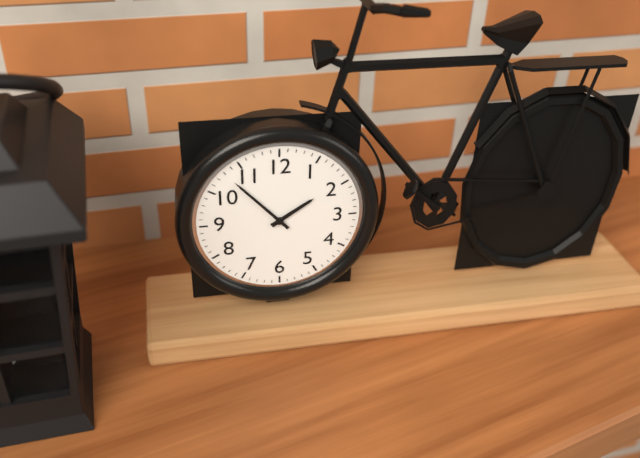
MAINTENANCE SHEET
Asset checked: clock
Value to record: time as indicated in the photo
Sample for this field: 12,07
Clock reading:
1,53
